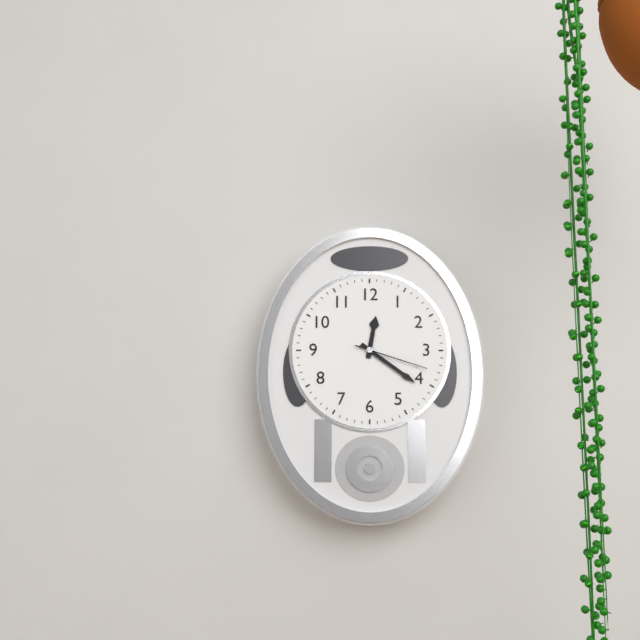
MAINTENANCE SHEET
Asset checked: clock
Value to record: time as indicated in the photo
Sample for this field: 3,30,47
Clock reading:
12,21,18
